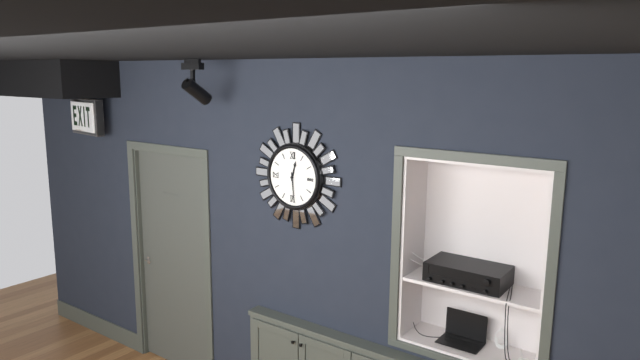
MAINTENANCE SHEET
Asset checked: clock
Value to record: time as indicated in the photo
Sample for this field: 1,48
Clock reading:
12,29
